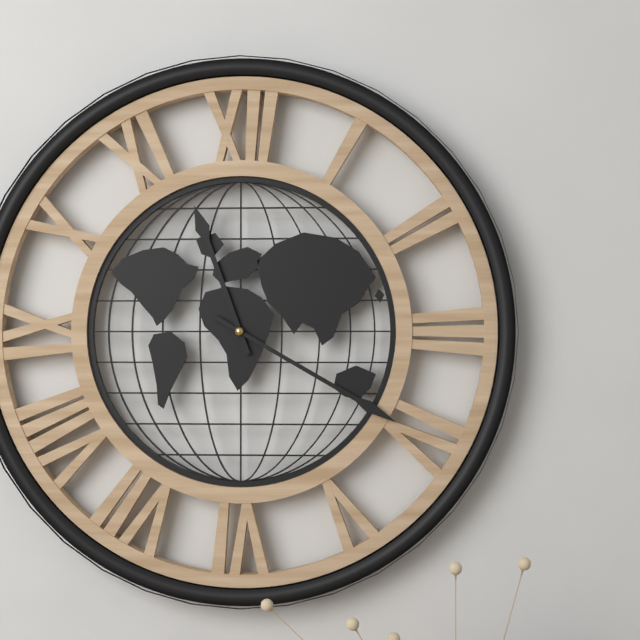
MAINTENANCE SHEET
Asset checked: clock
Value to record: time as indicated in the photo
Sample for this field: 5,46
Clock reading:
11,20
